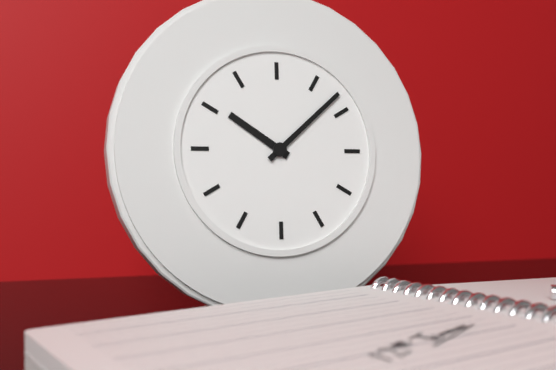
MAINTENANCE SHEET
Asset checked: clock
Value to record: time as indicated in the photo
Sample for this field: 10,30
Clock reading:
10,08
